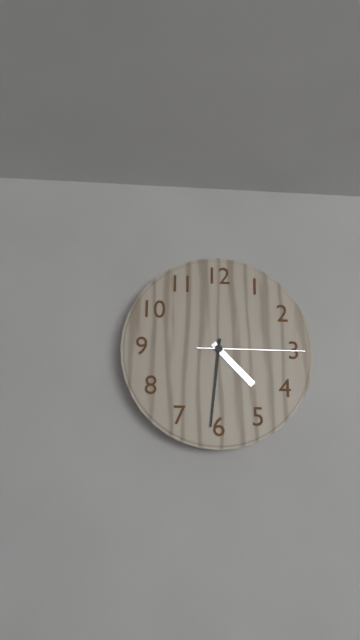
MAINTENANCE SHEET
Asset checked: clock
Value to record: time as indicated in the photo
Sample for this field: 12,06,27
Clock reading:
4,31,15
